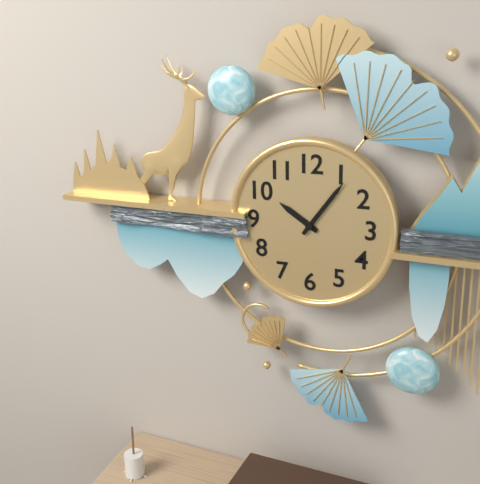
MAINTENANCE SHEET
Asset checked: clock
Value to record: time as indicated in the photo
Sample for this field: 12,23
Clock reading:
10,06
